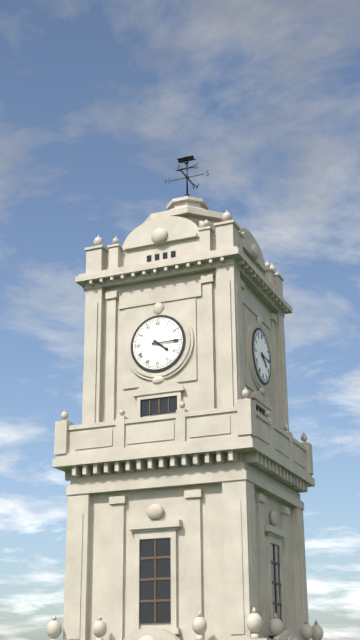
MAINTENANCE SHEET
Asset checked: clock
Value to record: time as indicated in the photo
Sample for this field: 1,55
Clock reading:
4,15
